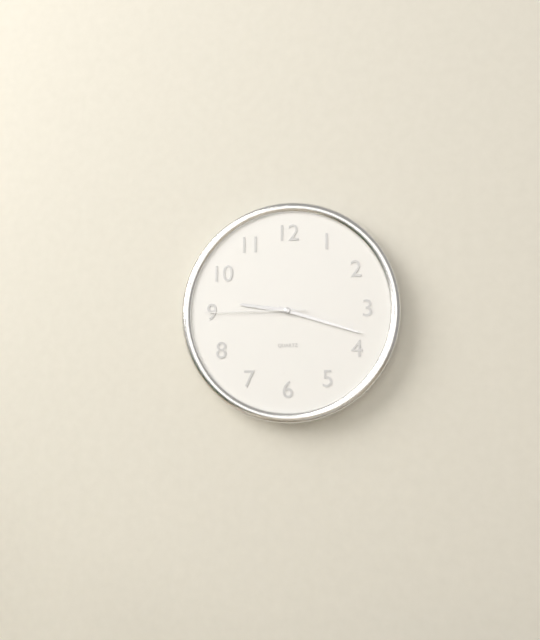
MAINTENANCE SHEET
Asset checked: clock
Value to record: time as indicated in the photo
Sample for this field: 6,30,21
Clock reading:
9,18,45
